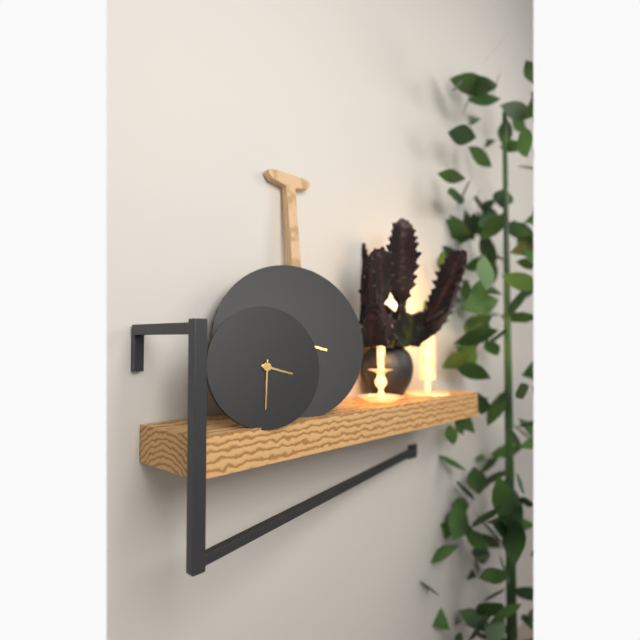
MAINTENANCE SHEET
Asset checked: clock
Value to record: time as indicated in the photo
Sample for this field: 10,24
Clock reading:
3,31
